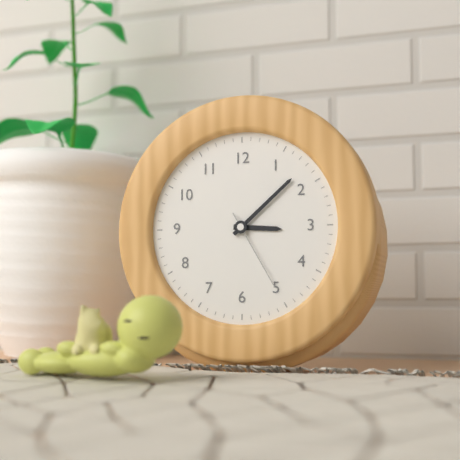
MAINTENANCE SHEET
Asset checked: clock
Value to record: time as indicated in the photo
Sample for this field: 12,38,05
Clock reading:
3,08,25
